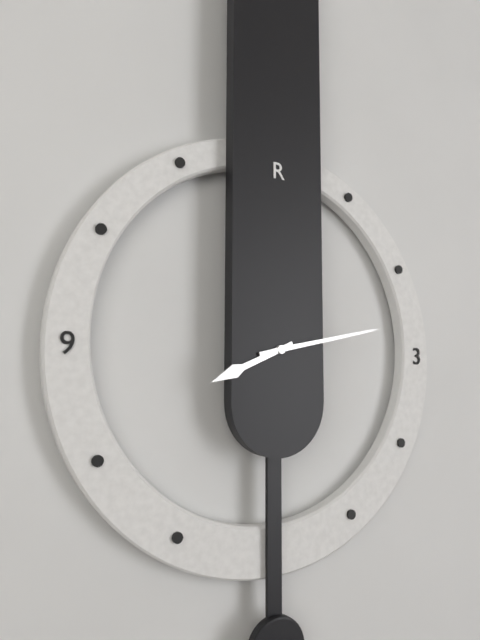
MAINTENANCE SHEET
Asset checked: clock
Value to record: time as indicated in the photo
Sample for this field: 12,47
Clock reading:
8,13
